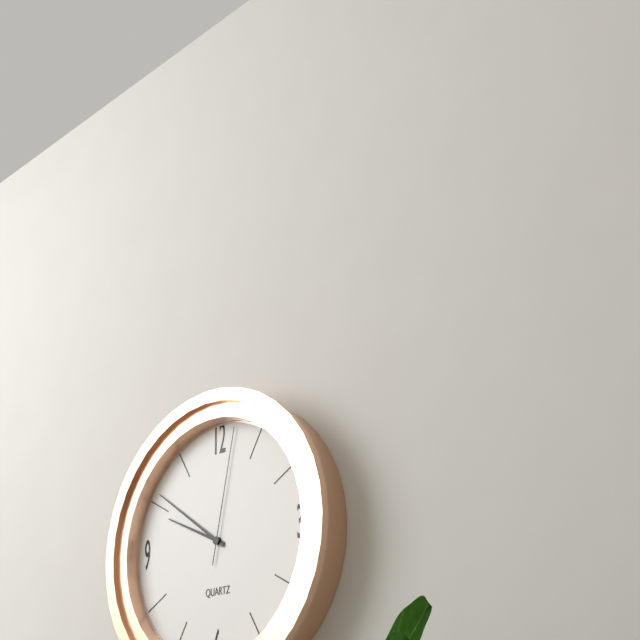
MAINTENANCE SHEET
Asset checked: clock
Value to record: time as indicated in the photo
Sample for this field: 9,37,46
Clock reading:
9,51,02
